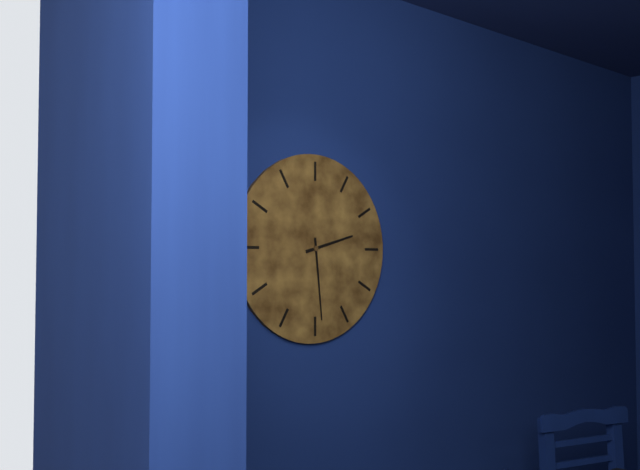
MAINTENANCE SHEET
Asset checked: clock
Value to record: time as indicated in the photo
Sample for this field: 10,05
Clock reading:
2,29
